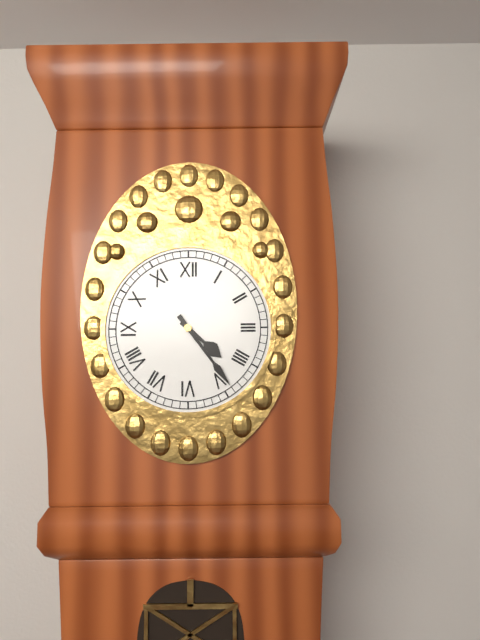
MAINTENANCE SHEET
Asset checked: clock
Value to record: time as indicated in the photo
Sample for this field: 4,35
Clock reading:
4,24
